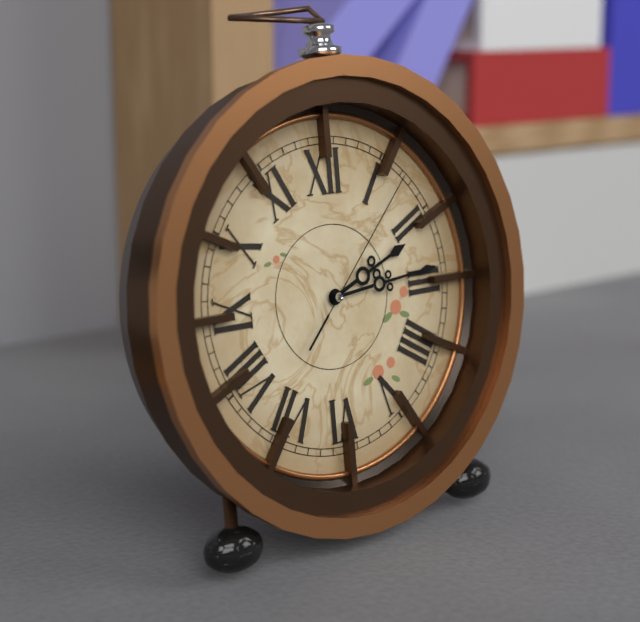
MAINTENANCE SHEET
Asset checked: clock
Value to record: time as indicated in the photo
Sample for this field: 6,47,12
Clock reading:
2,14,07
